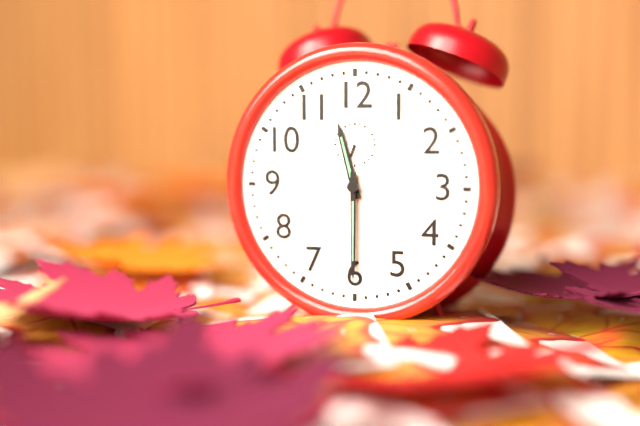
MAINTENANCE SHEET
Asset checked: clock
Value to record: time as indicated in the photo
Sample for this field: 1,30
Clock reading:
11,30
